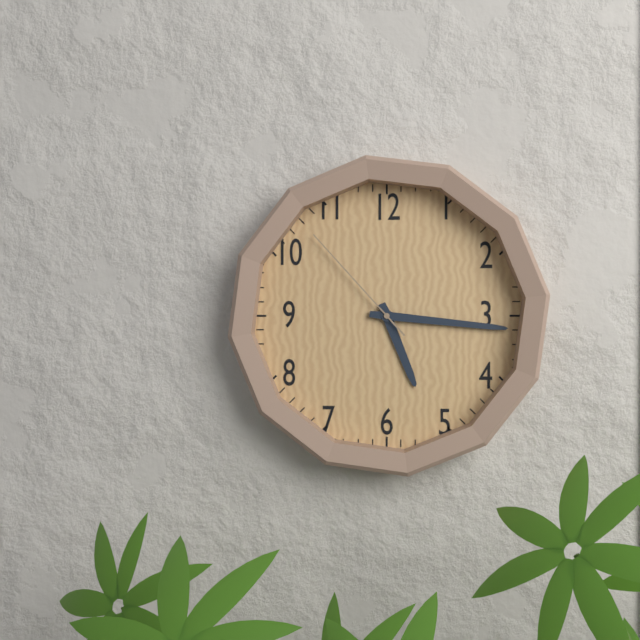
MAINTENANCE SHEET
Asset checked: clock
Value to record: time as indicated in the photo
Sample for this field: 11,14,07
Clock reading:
5,16,53
